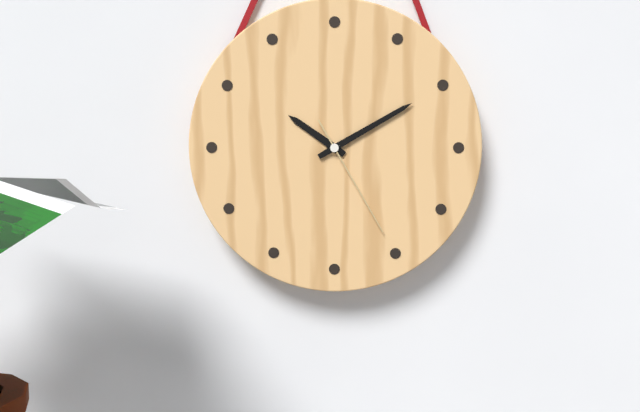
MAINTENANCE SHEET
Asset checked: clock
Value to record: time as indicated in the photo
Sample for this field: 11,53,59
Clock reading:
10,10,25
